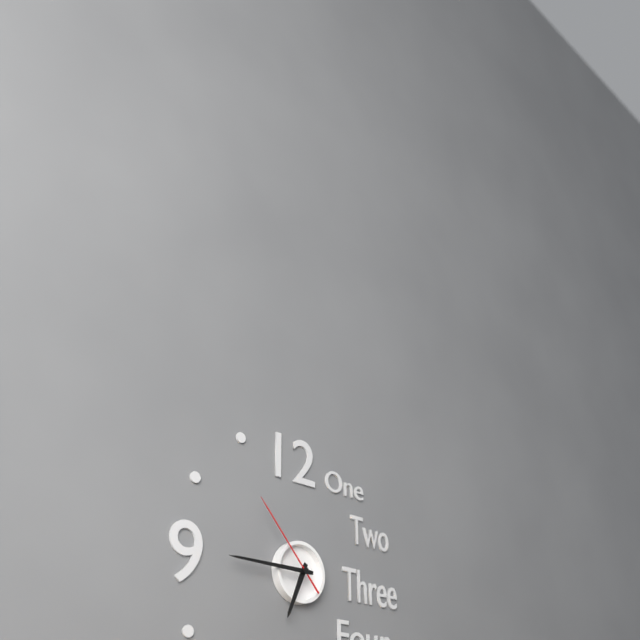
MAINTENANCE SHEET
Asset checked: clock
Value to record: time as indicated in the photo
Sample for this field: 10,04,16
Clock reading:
6,45,53
